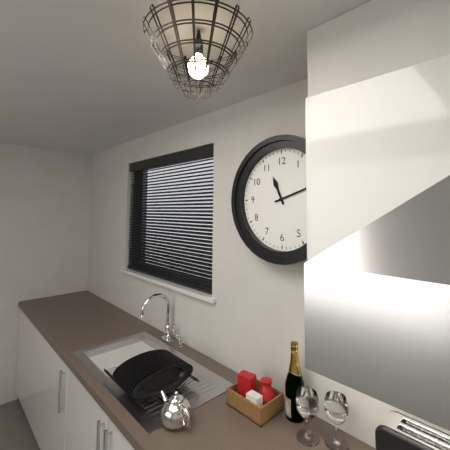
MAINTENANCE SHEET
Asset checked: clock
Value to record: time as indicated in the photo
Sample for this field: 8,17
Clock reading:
11,12
